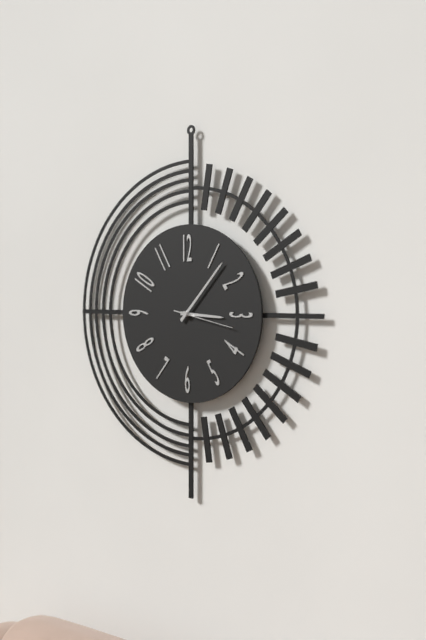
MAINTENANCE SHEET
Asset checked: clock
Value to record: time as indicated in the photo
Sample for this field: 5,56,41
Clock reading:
3,07,17
